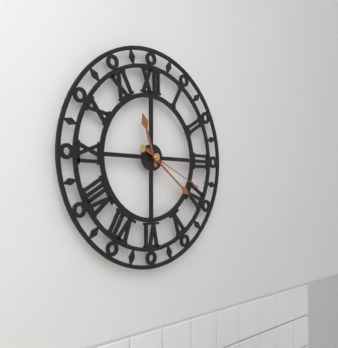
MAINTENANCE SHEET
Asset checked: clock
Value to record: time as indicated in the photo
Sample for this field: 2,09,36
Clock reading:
11,21,19
